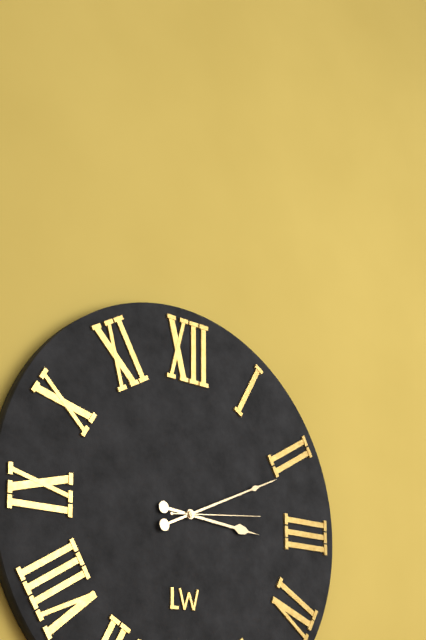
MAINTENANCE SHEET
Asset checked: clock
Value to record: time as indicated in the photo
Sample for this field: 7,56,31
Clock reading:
3,11,14
